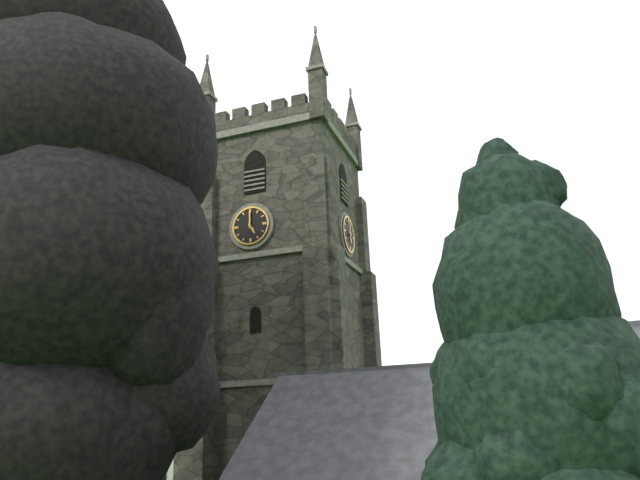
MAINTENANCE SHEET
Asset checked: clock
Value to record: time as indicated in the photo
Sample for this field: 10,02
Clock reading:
5,00
